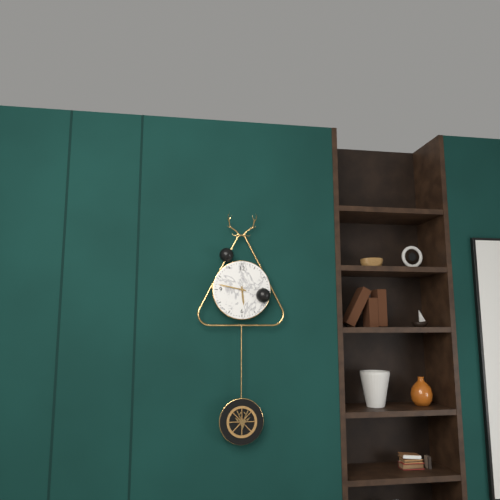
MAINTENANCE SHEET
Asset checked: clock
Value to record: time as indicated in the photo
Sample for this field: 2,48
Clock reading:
5,47
